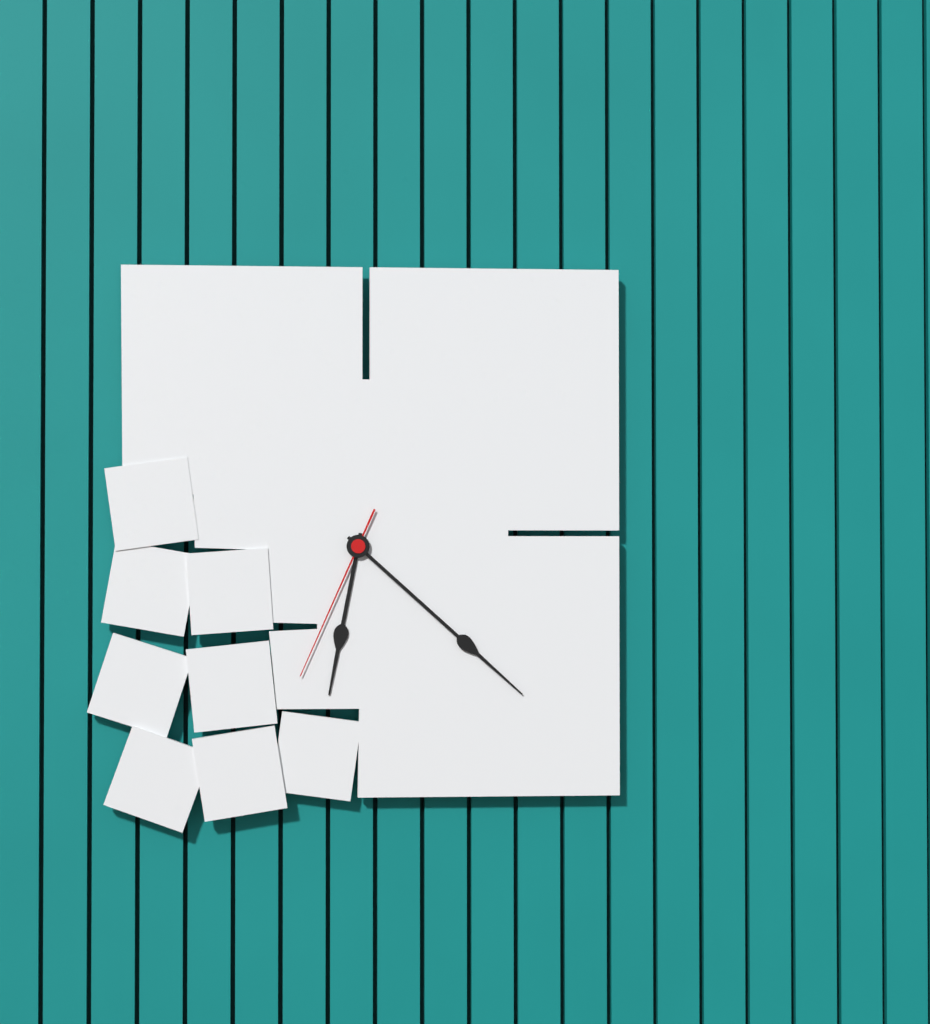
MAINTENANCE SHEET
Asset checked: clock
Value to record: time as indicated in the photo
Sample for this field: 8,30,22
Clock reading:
6,22,34
